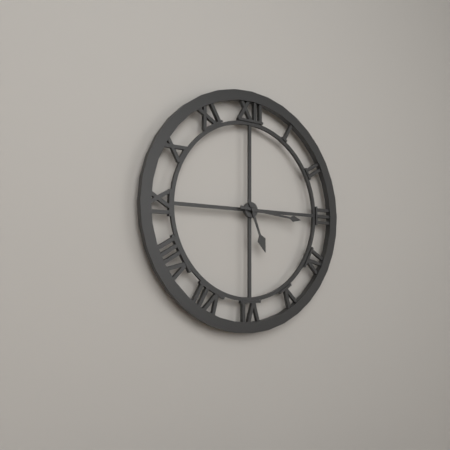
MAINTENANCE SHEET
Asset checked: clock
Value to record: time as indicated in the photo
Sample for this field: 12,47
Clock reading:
5,16
